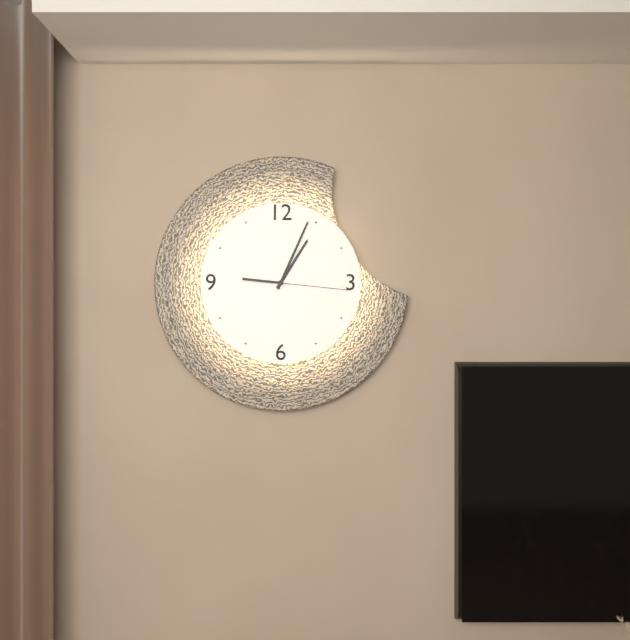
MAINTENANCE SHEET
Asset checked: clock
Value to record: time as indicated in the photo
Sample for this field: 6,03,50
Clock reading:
1,04,16
